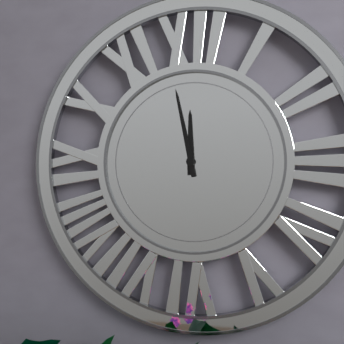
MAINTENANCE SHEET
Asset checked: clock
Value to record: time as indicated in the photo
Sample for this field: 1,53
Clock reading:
11,58
